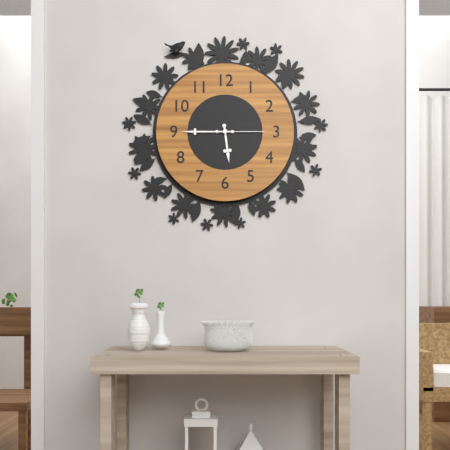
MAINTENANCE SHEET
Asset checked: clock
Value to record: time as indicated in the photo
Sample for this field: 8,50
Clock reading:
5,45
